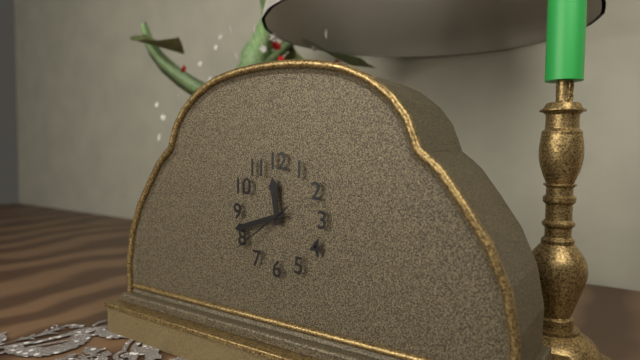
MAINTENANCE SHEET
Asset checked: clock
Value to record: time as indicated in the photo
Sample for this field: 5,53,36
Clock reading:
11,42,39
